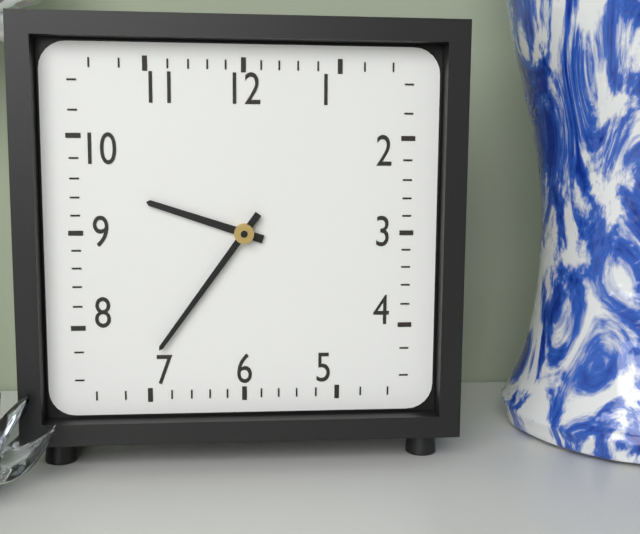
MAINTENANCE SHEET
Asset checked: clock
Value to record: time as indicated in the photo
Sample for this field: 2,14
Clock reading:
9,36
